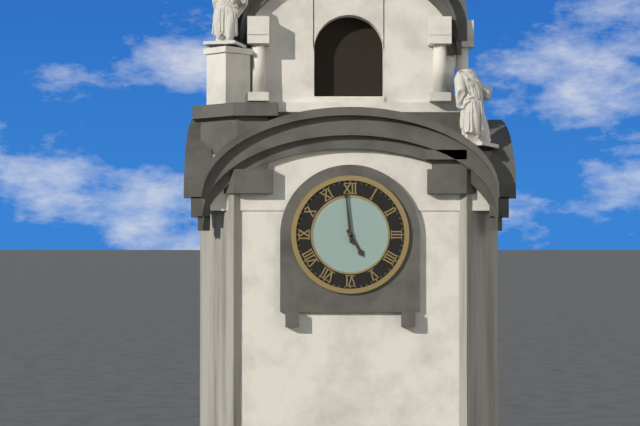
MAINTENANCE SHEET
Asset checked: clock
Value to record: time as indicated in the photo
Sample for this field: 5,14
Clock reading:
4,59
